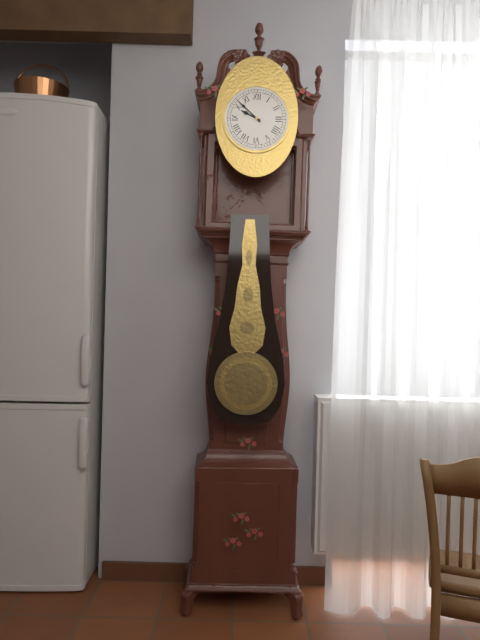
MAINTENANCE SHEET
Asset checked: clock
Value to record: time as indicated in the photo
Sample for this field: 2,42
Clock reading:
9,52
